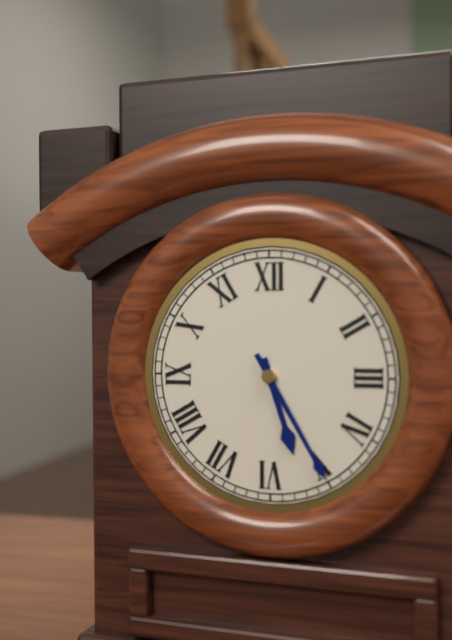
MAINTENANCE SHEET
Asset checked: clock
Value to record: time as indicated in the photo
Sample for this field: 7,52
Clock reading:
5,25
